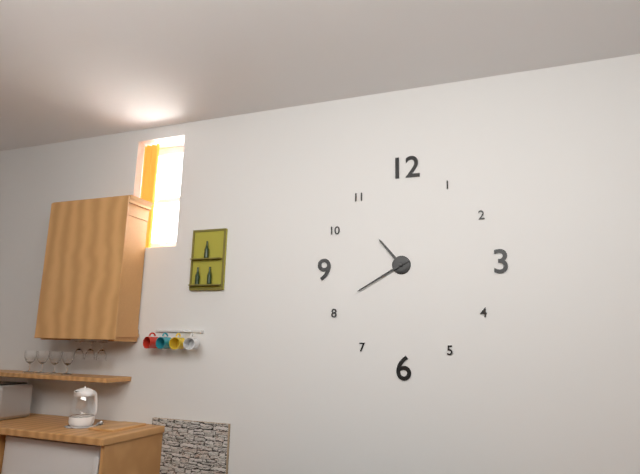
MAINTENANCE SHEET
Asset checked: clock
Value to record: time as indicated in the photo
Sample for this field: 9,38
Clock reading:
10,40
